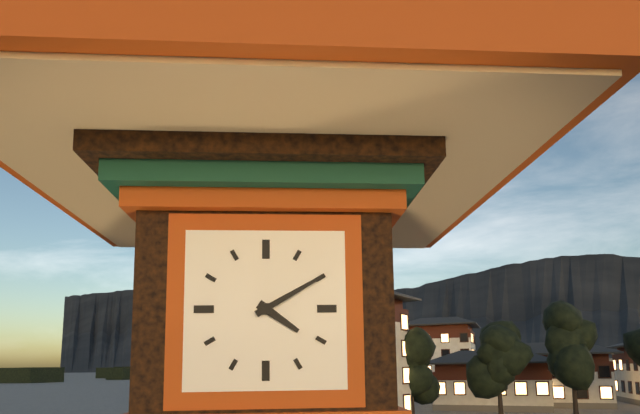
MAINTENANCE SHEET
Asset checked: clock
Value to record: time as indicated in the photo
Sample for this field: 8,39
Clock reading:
4,10
